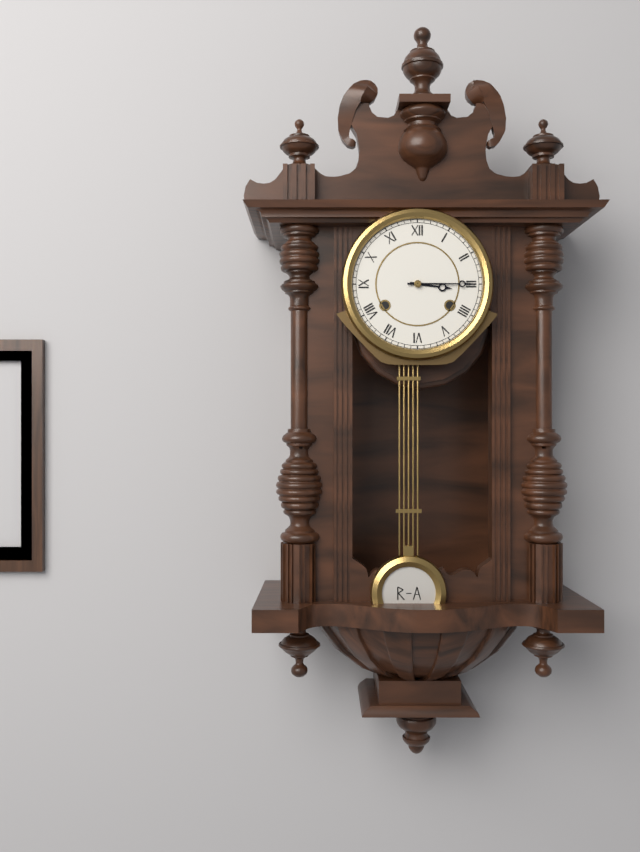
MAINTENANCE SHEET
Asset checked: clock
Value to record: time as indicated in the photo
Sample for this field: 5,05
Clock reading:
3,15
